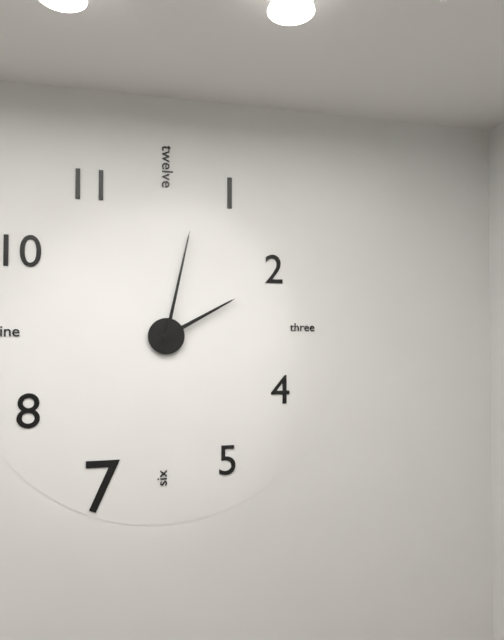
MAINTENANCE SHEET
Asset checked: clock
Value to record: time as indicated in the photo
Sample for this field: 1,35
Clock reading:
2,02
